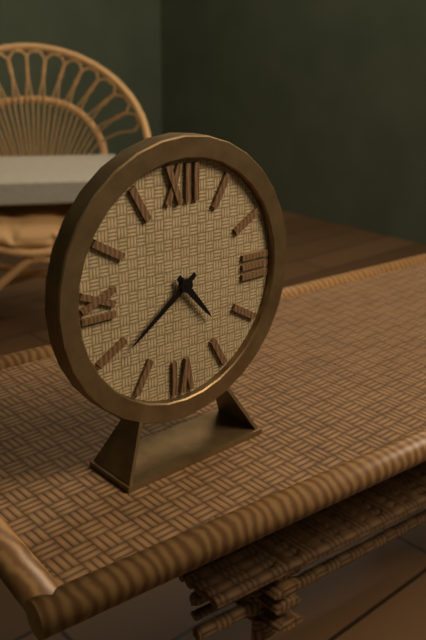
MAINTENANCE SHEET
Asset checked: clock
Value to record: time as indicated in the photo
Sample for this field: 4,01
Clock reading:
4,39
